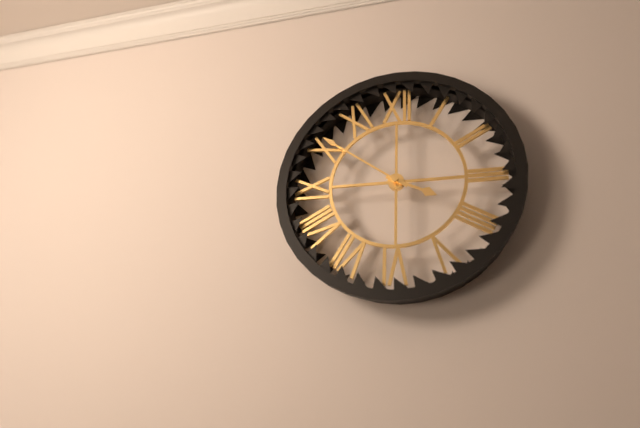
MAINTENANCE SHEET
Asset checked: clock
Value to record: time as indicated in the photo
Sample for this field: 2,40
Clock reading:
3,51
